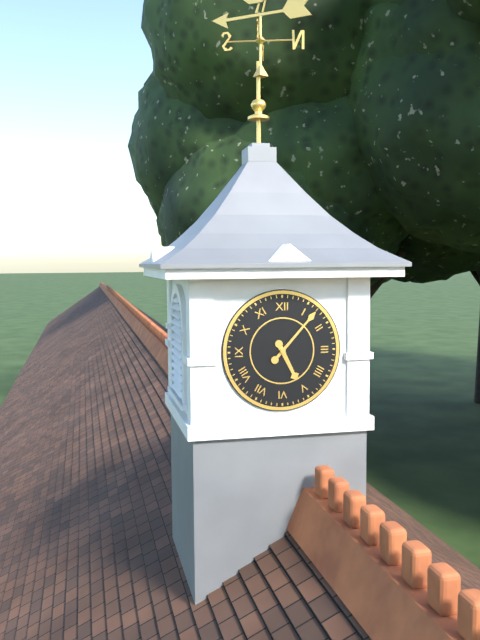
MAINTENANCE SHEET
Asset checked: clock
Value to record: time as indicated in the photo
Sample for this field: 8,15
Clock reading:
5,07
